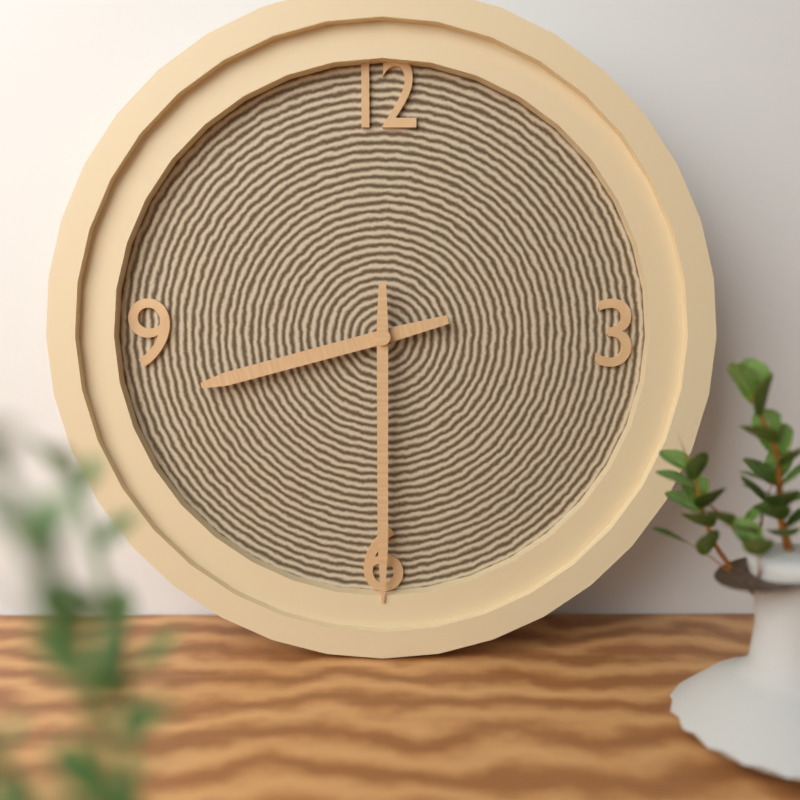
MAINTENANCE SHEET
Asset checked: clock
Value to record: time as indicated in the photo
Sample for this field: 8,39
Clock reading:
8,30
